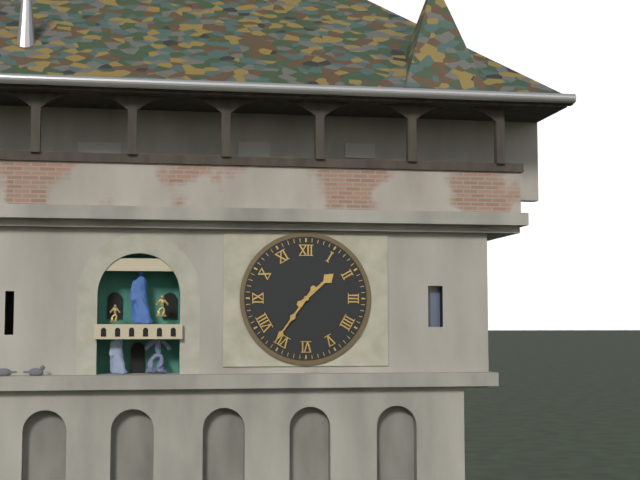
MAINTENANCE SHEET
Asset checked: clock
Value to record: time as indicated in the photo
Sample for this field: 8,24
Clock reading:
1,36
